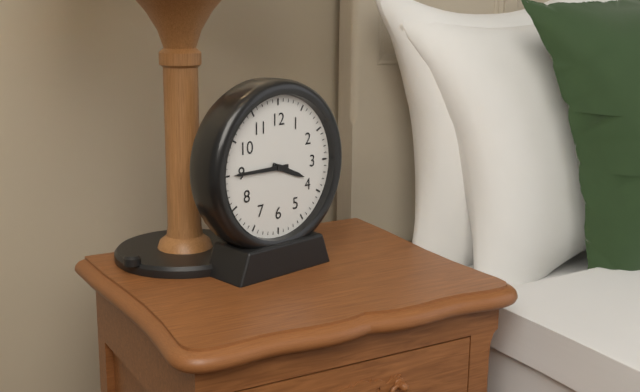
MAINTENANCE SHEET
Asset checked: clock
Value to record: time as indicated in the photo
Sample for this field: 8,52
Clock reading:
3,45
